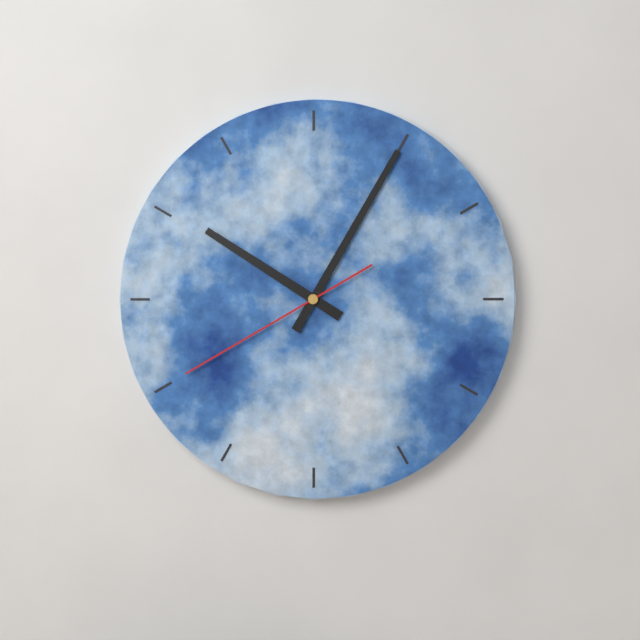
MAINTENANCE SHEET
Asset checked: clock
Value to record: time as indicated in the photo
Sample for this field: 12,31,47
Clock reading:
10,05,40
